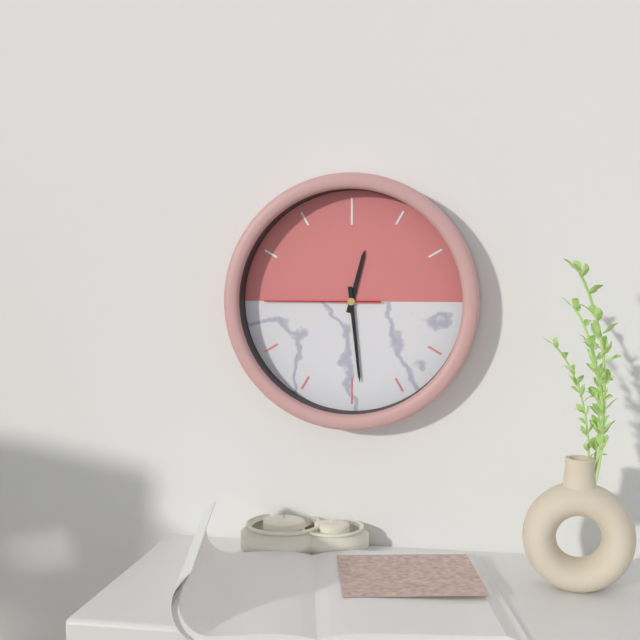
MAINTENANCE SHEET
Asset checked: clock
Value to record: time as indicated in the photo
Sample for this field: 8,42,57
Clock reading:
12,29,45
